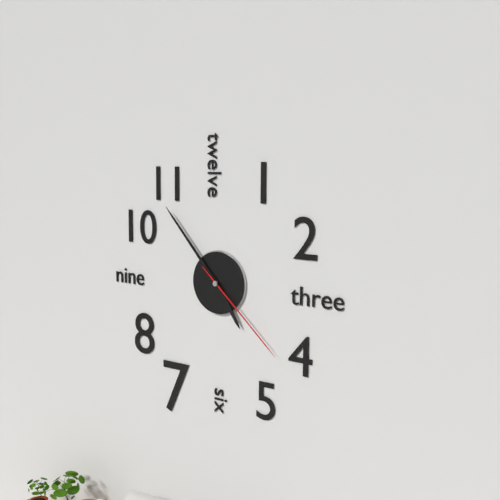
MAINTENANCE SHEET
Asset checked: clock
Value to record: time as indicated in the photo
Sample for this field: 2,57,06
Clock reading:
4,53,22
